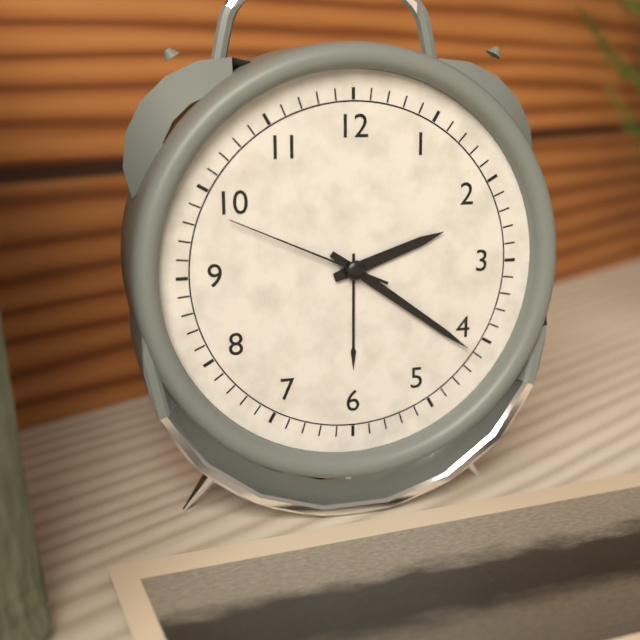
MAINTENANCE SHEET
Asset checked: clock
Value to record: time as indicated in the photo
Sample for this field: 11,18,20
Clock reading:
2,21,49
